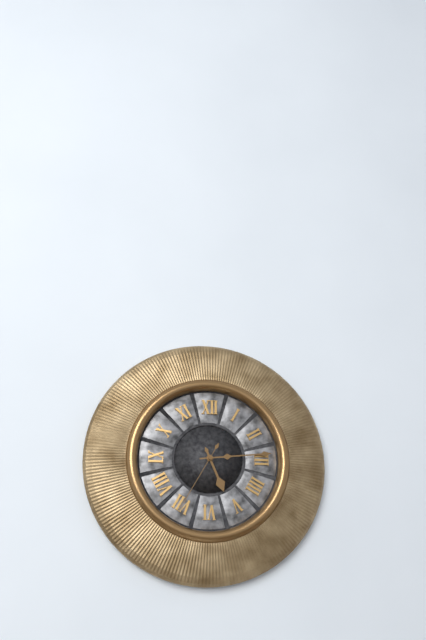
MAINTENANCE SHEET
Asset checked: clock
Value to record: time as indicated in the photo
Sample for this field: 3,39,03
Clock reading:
5,14,35
